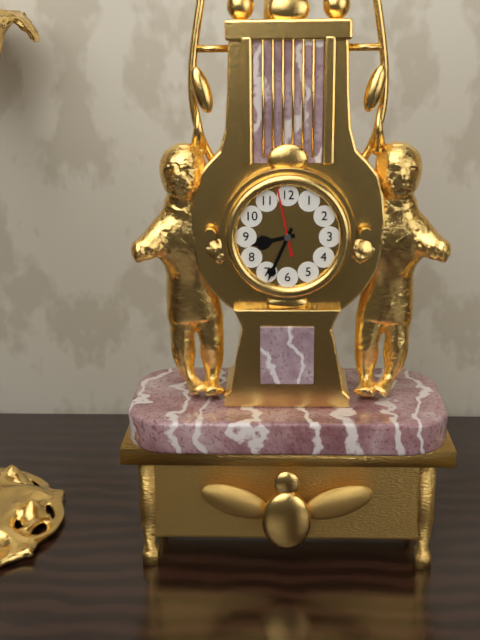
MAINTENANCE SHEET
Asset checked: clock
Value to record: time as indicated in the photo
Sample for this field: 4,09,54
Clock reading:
8,34,58
